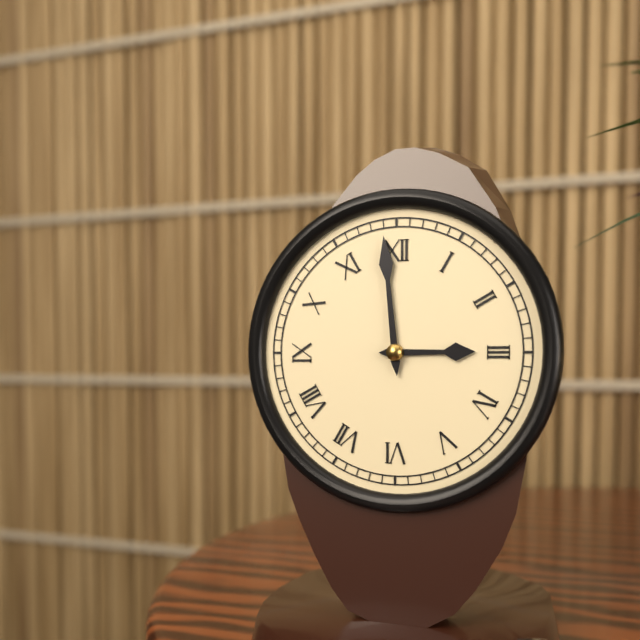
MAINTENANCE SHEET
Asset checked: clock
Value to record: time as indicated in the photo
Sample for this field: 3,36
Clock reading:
2,59
